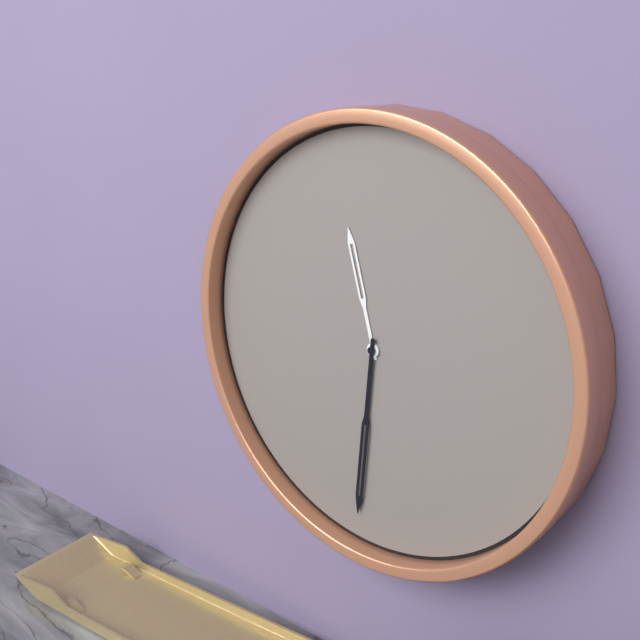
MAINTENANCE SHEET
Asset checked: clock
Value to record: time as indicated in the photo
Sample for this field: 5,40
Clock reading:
11,31
